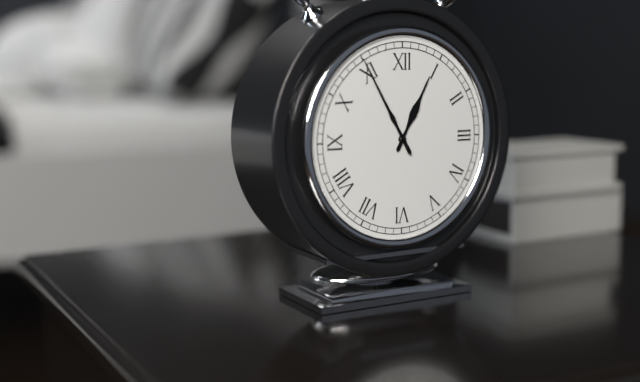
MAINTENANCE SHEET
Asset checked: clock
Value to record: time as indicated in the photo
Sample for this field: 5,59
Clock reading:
12,55
